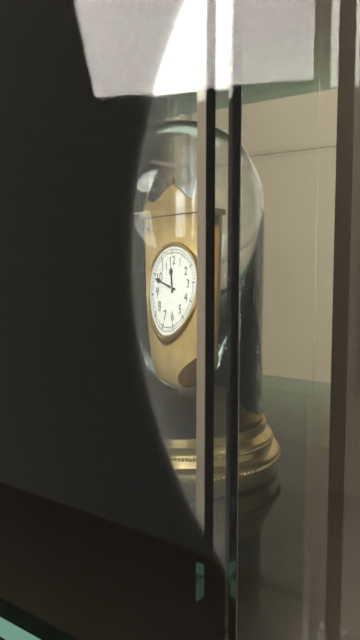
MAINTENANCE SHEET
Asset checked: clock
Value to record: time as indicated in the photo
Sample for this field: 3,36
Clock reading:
11,49
